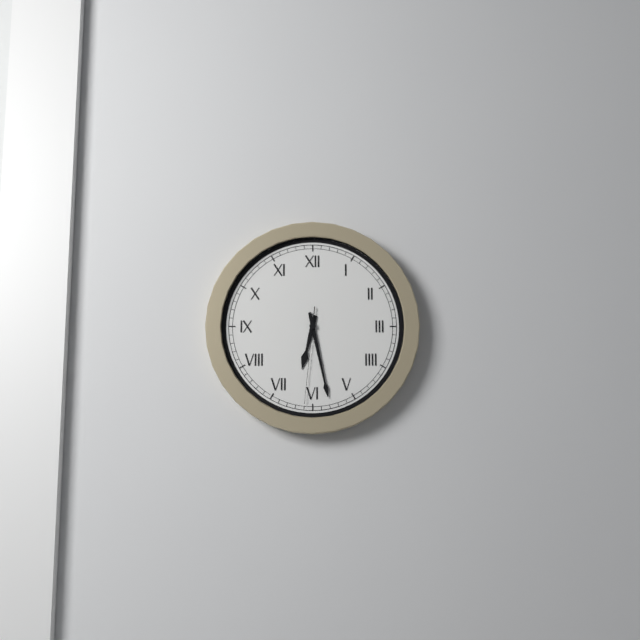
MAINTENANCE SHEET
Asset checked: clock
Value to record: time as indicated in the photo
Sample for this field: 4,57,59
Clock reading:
6,28,31
